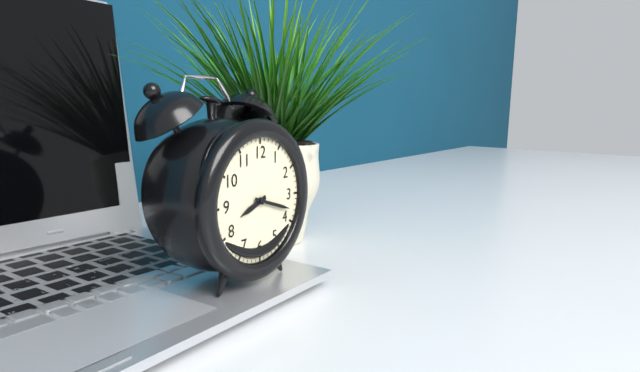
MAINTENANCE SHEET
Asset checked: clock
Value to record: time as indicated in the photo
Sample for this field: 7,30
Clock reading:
8,18
